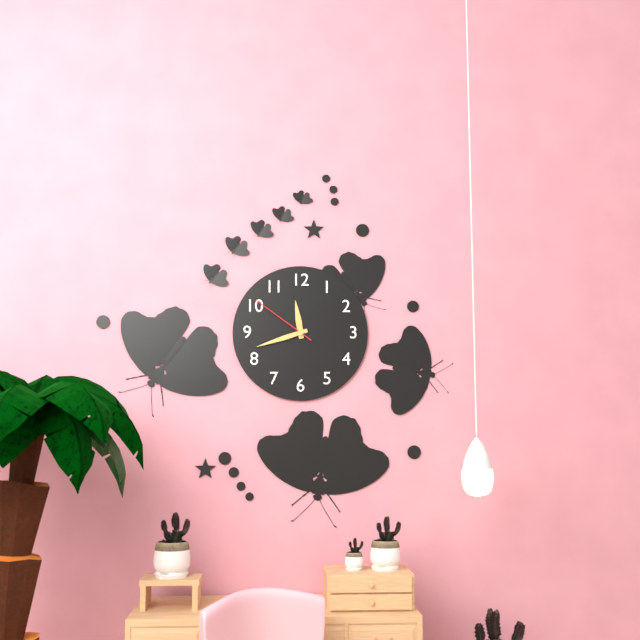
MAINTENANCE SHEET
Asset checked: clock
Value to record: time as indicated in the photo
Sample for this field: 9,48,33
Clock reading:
11,42,51
